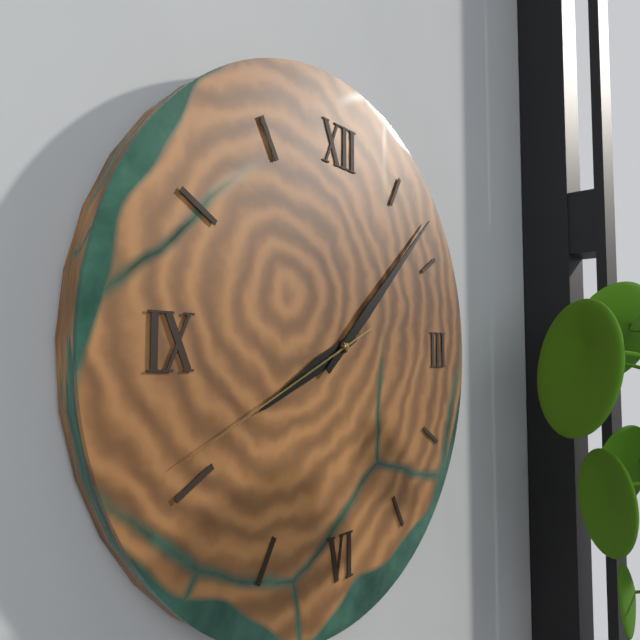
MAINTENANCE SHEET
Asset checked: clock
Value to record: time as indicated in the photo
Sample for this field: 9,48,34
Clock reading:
8,08,41
